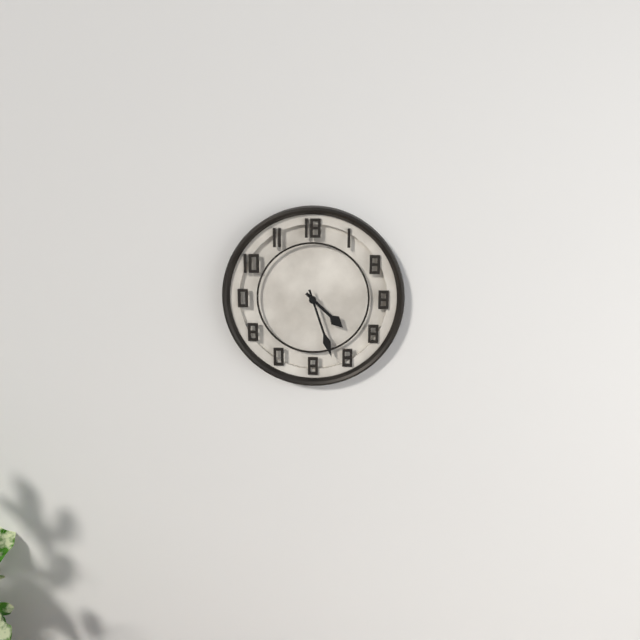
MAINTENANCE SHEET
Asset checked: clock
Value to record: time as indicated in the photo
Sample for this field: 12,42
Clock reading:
4,27
